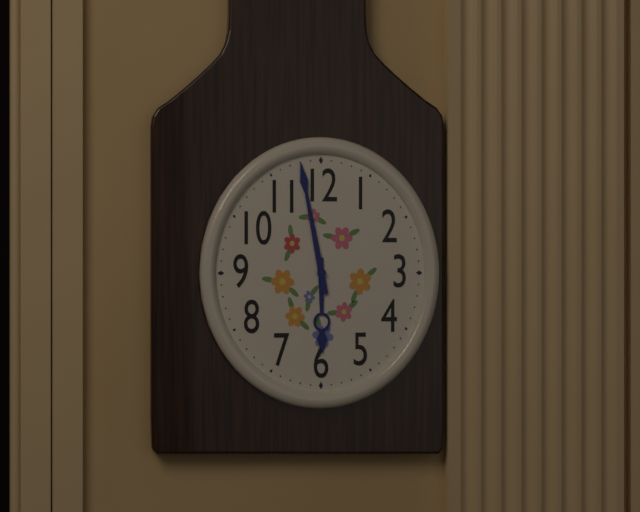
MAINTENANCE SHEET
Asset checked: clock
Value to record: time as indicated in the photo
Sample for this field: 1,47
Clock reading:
5,58
